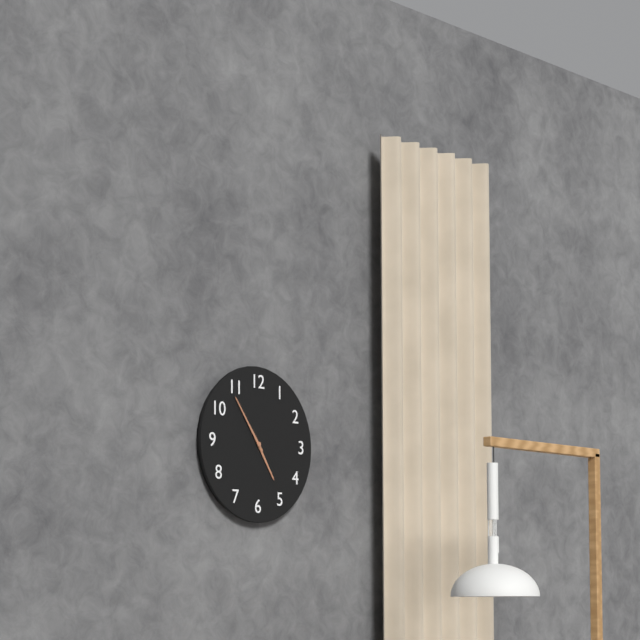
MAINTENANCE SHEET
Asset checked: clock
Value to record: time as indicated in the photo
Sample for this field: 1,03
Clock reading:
4,54
